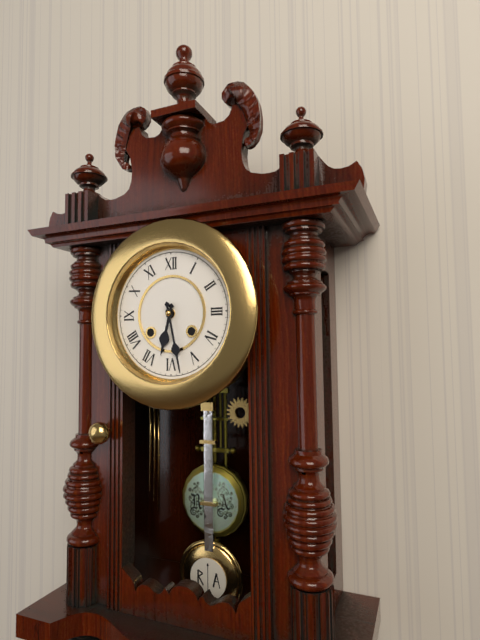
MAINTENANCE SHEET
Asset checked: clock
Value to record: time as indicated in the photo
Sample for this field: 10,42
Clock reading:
6,28
